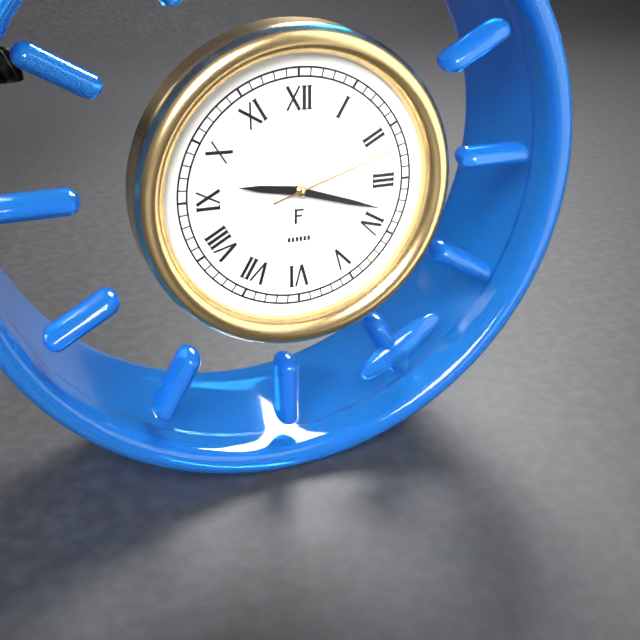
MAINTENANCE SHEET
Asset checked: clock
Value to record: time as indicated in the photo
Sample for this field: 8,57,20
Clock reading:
9,18,12
